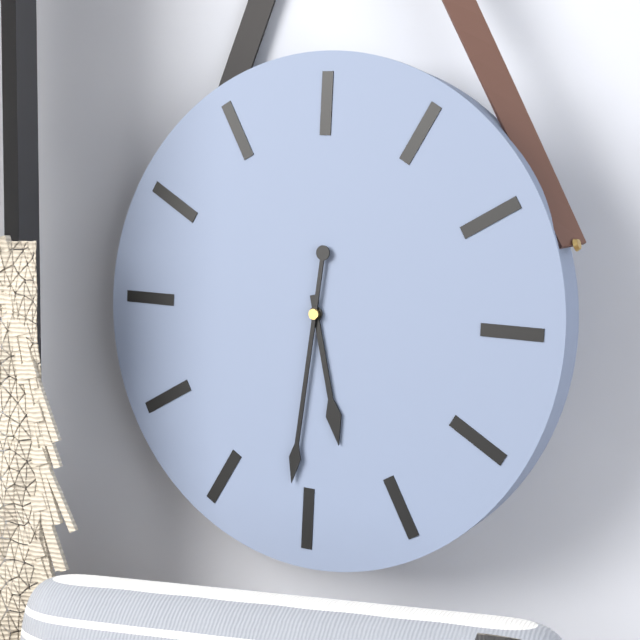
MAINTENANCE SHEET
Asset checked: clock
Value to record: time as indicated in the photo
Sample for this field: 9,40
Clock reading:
5,31
